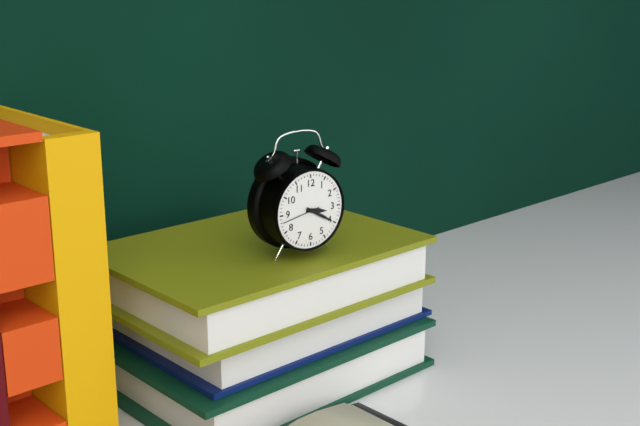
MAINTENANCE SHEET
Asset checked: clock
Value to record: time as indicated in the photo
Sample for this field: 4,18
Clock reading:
3,20
